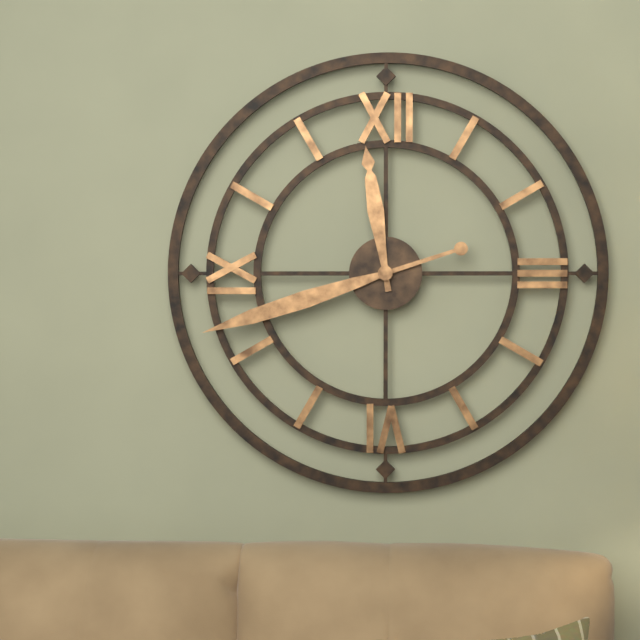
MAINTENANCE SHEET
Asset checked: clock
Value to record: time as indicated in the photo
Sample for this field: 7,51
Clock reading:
11,42
